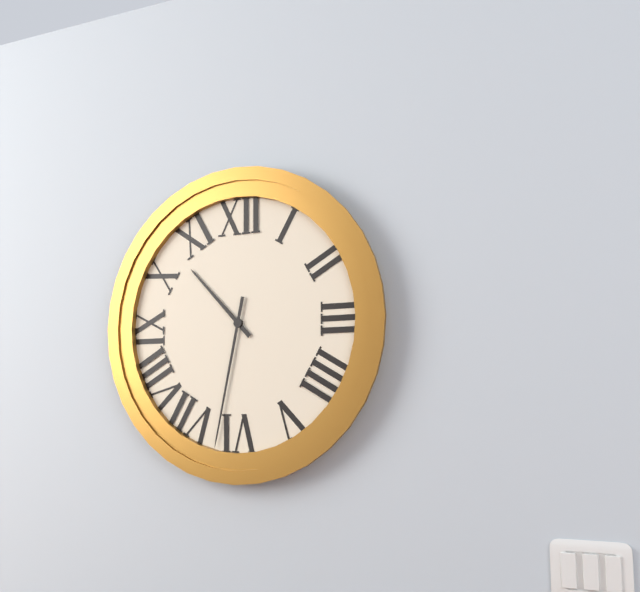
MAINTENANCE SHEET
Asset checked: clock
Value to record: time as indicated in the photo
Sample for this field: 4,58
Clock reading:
10,32
